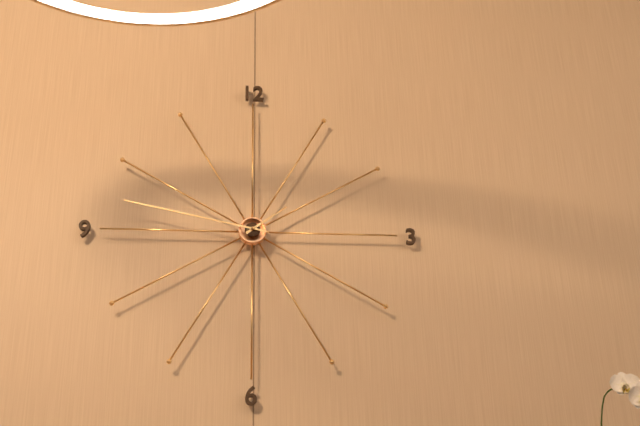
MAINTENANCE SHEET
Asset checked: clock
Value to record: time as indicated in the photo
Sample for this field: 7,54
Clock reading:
1,47
